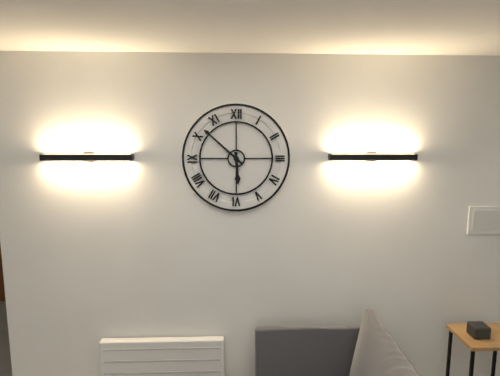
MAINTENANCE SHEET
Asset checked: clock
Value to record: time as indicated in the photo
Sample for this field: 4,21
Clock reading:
5,52
